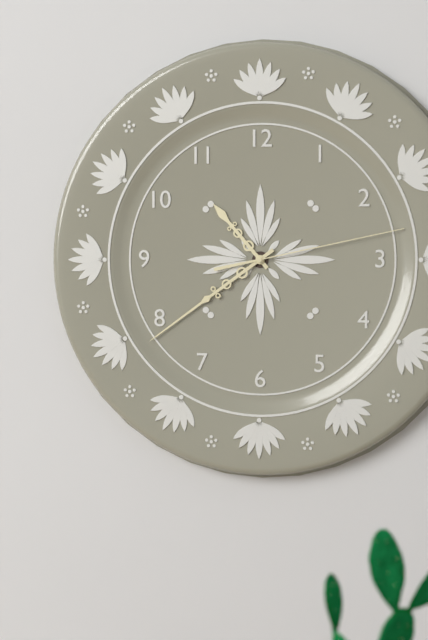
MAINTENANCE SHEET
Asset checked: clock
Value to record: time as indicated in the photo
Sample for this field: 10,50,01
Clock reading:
10,39,13
